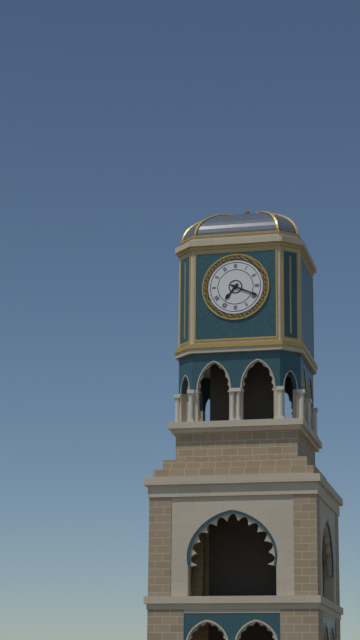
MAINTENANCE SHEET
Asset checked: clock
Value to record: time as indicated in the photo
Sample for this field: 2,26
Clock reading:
7,19
